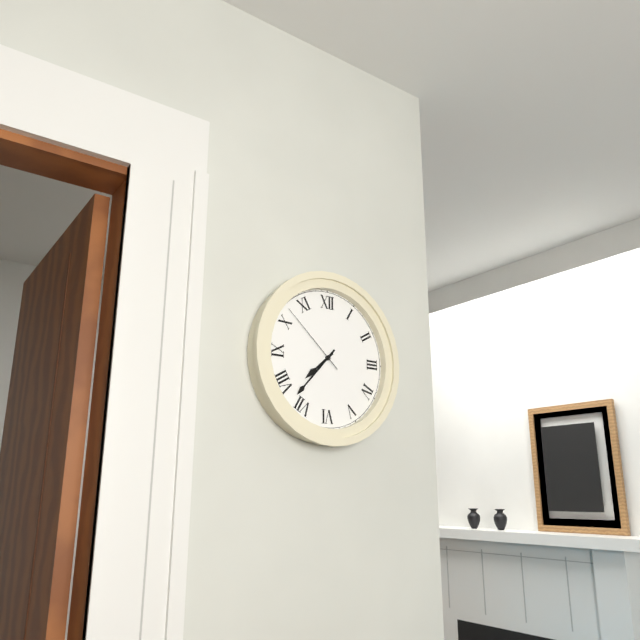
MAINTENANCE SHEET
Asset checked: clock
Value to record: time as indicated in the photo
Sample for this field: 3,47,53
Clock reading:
7,37,52
